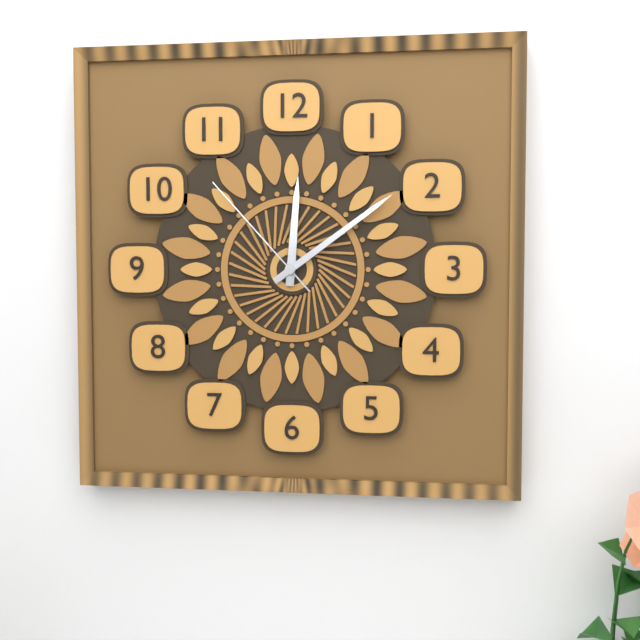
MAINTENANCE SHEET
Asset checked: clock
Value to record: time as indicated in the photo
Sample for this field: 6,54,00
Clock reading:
12,09,53
